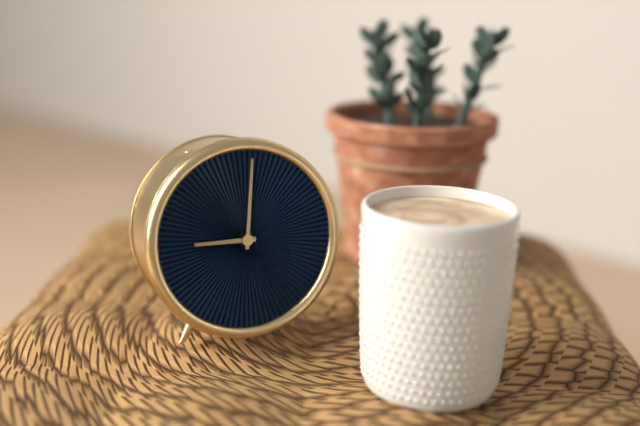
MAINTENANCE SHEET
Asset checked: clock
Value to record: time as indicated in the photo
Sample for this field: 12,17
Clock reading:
9,01
